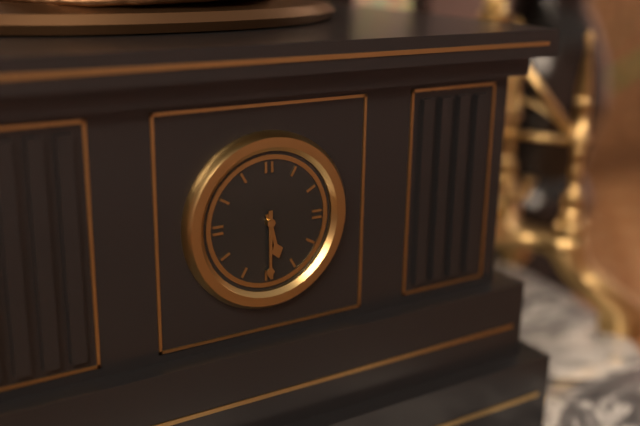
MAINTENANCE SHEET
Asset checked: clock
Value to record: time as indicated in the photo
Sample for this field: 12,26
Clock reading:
5,30
